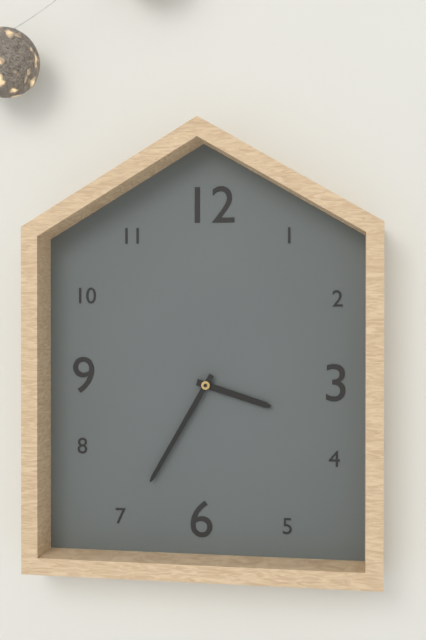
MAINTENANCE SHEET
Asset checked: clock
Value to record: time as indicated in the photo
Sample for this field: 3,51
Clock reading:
3,35
